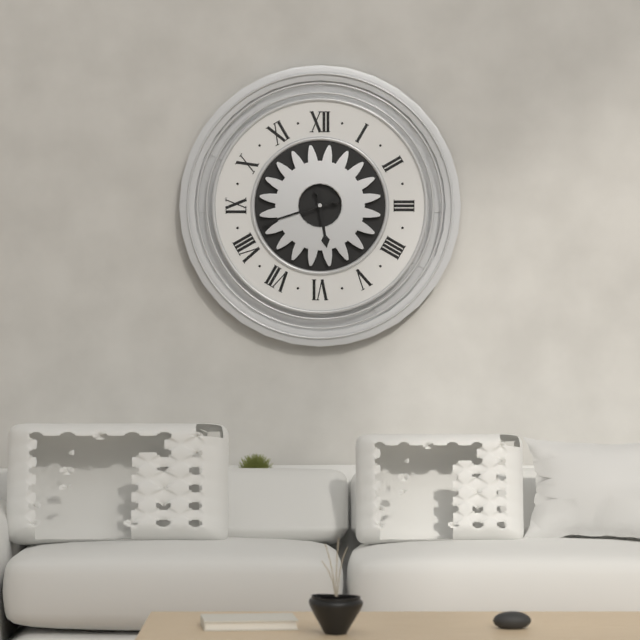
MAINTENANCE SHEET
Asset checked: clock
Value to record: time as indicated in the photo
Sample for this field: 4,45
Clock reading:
5,42
